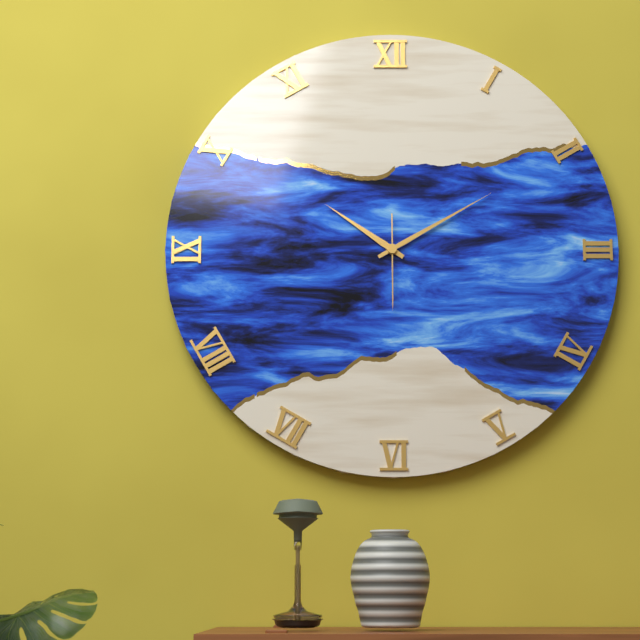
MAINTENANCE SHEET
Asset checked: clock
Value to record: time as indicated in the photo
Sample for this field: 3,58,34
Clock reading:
10,10,30
